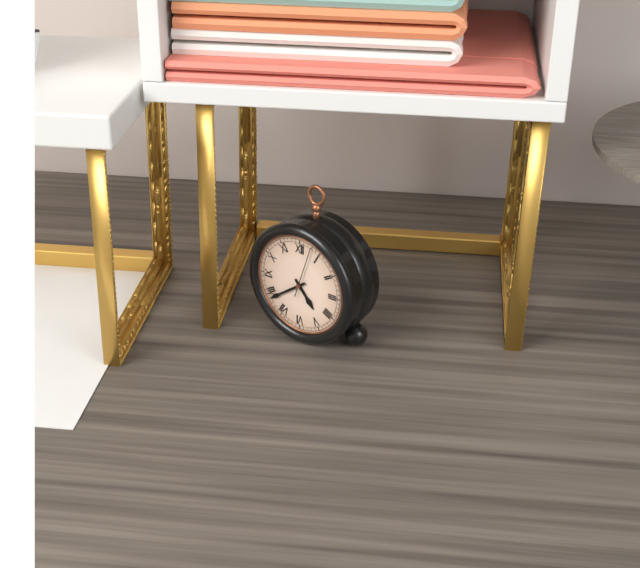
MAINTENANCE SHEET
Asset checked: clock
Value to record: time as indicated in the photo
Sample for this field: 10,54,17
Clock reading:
4,39,03
